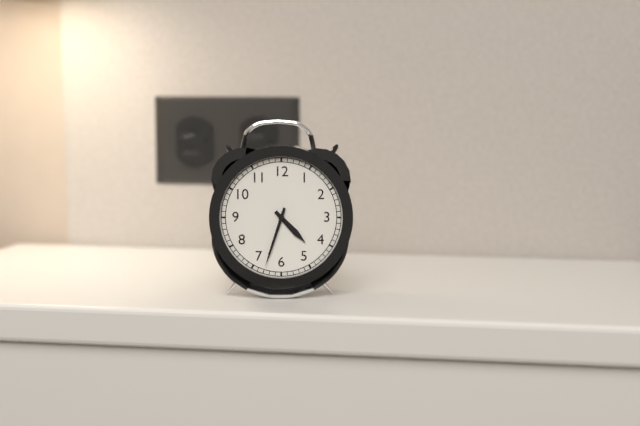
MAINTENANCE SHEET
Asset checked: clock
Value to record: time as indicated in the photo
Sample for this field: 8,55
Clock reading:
4,33
